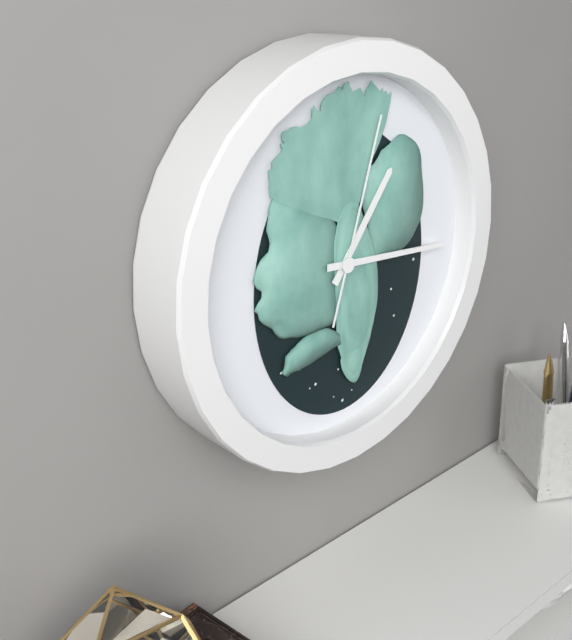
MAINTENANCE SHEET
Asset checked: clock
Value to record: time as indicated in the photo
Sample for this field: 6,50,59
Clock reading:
1,16,03
